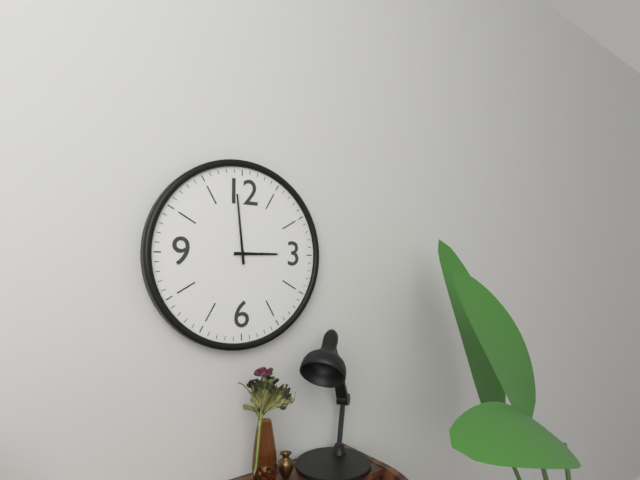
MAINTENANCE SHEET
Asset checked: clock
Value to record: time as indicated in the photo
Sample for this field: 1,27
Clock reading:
2,59
